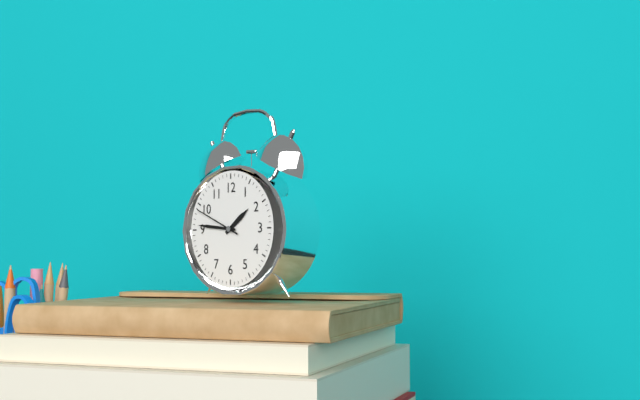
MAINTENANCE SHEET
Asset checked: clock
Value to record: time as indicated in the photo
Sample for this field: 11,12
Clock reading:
1,46
